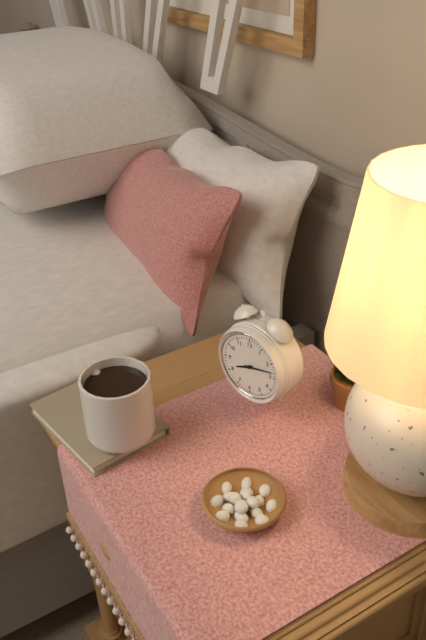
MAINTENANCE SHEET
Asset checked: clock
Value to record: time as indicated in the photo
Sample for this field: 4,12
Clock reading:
8,13
